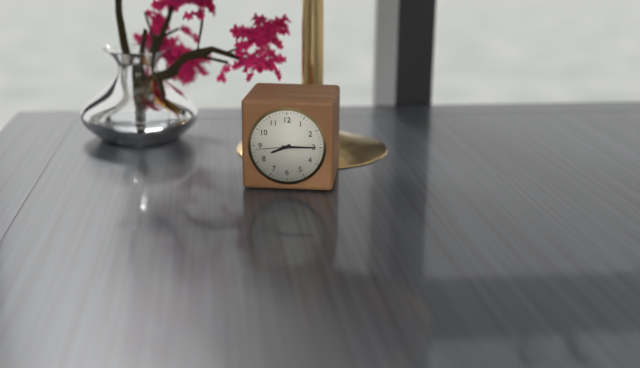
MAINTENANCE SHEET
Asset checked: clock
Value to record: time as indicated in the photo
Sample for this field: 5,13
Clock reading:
8,15
